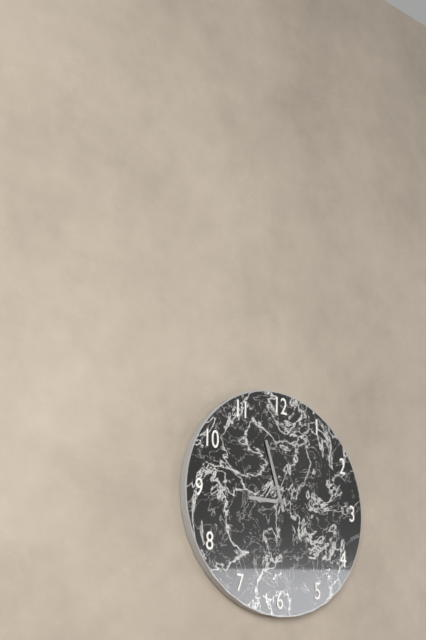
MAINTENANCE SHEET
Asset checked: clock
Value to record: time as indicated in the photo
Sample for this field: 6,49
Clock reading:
8,57
